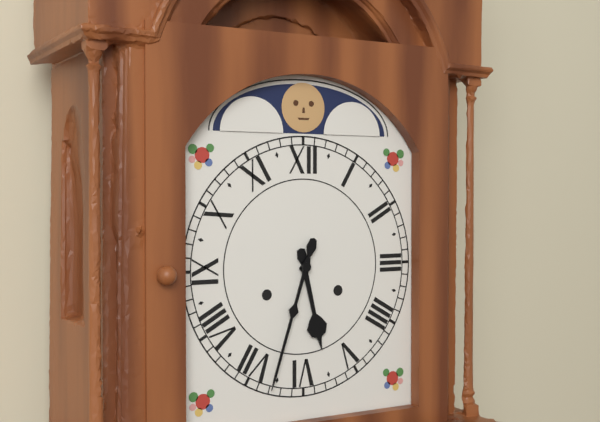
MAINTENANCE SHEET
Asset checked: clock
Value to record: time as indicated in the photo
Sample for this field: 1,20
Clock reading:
5,33
